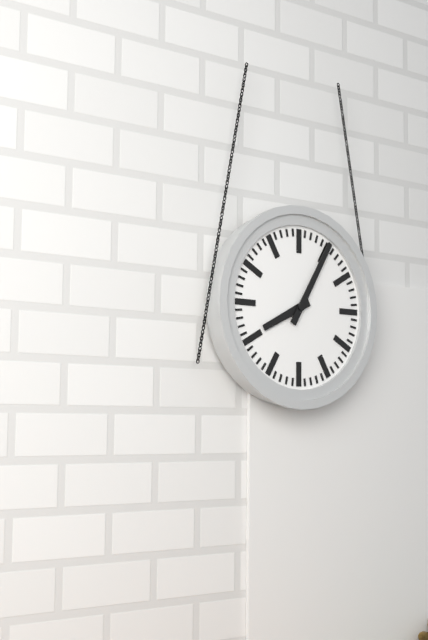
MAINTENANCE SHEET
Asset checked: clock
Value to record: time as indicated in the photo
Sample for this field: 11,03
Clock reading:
8,05
